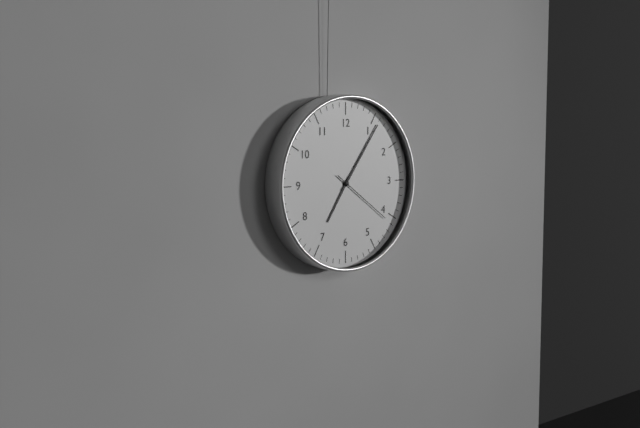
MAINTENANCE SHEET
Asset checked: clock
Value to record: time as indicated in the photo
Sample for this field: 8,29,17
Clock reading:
7,06,21
